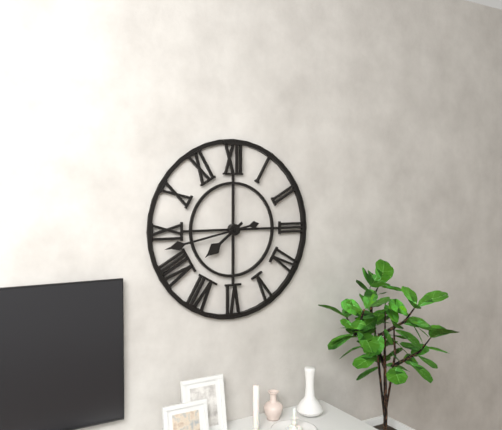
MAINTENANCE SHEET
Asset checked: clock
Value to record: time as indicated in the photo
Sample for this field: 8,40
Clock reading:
7,43
